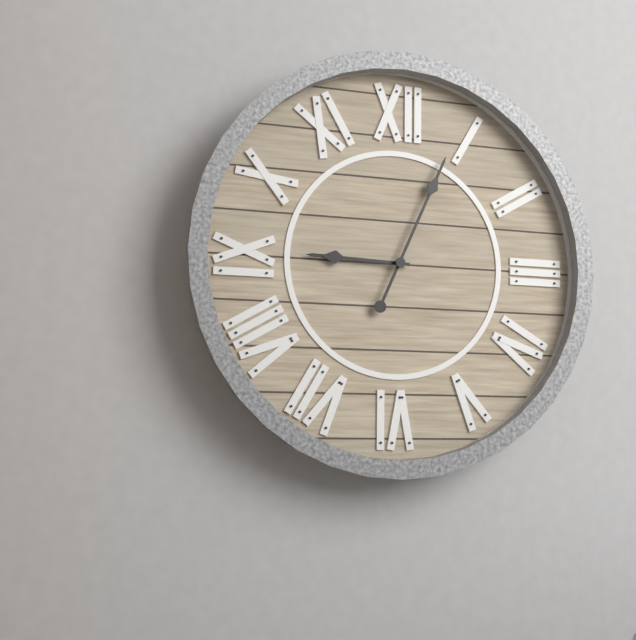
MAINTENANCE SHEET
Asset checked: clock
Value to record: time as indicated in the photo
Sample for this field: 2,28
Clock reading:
9,04
